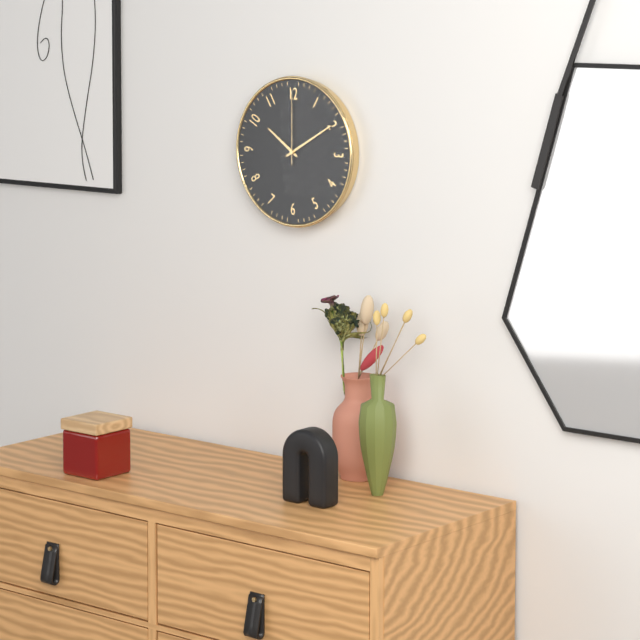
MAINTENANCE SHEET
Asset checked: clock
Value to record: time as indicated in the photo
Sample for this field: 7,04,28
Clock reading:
10,10,00
